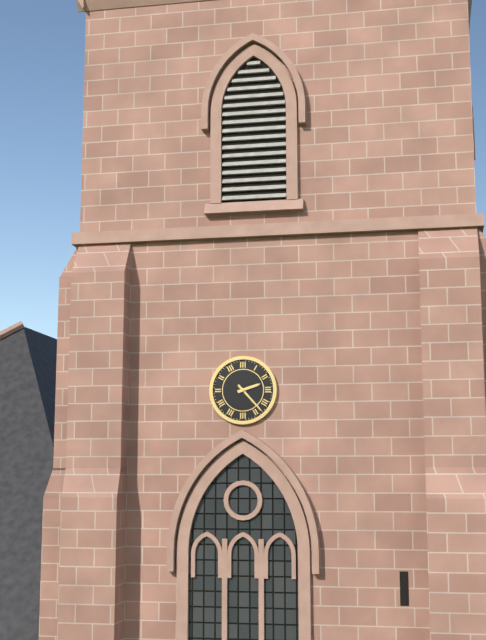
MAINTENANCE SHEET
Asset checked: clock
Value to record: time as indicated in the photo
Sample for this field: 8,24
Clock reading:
2,23
